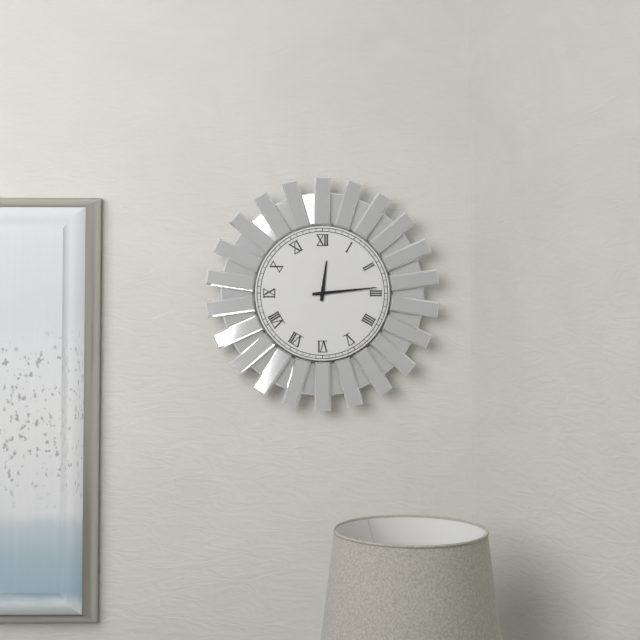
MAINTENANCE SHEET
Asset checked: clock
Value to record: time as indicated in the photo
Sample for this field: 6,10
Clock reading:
12,14
